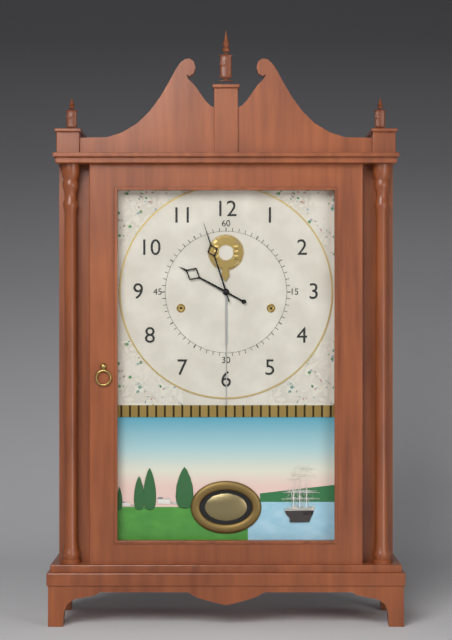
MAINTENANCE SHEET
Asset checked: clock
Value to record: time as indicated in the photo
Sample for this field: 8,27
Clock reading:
9,57
